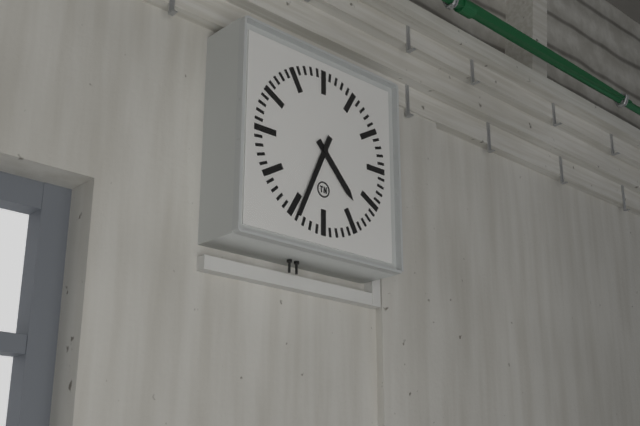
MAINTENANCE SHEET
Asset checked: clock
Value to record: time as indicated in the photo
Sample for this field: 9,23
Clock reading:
4,34
